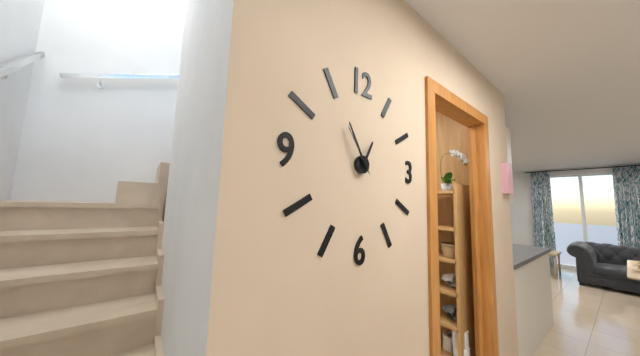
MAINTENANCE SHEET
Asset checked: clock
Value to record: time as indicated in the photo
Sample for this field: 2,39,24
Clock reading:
12,55,54
